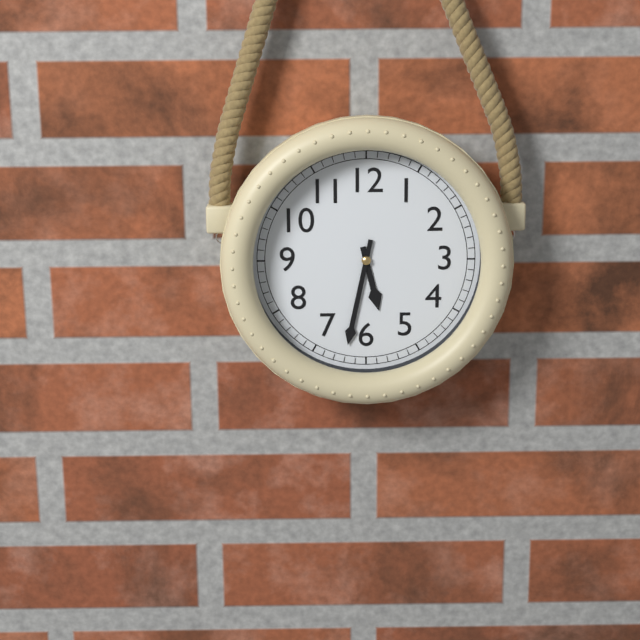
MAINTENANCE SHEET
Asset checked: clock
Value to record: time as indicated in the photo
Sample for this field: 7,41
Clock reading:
5,32
